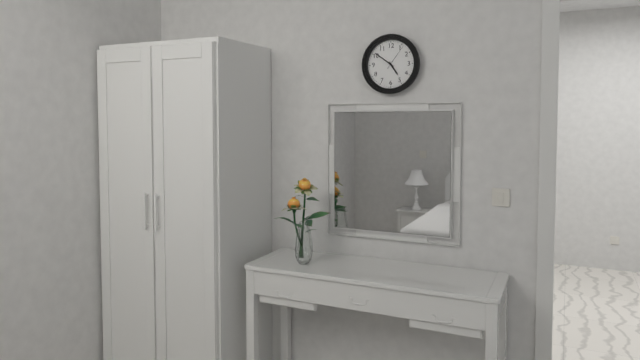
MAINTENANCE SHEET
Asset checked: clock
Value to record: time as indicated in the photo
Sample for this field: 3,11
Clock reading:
4,51
